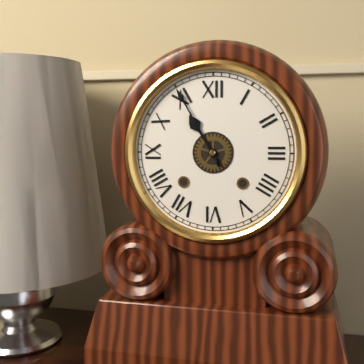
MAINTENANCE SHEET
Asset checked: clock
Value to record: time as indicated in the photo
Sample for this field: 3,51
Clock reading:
10,55
